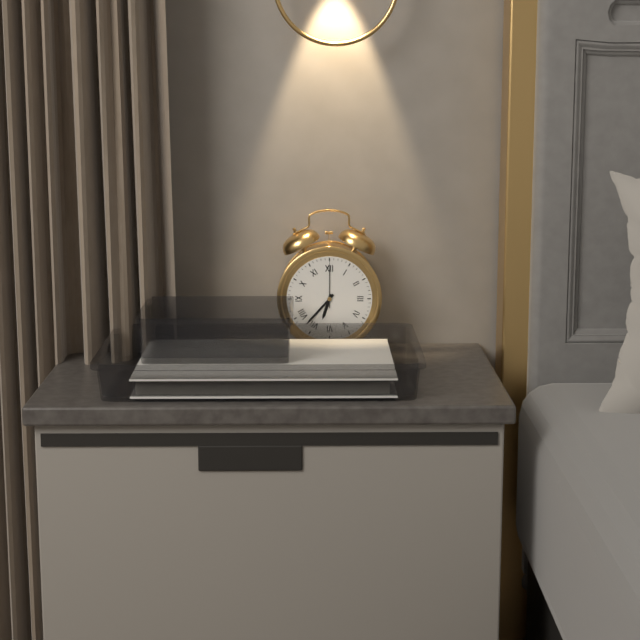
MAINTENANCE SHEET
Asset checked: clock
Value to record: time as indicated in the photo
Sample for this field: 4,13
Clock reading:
6,37
